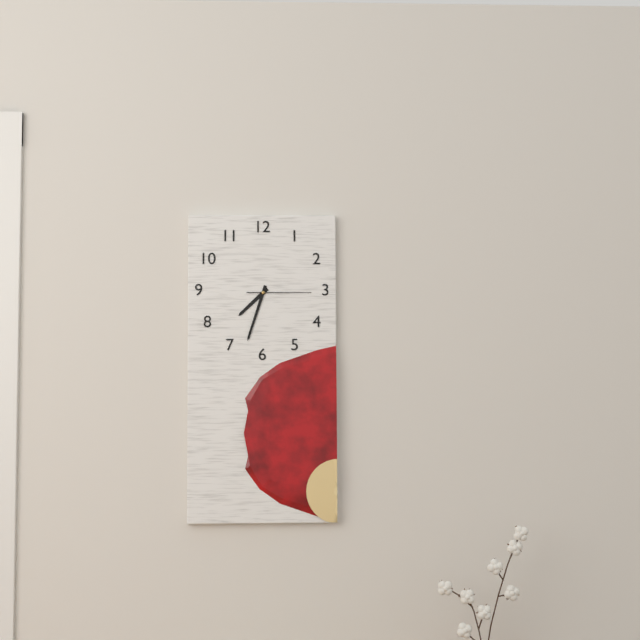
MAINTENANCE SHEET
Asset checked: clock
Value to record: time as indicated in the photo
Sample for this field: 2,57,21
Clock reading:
7,33,15
